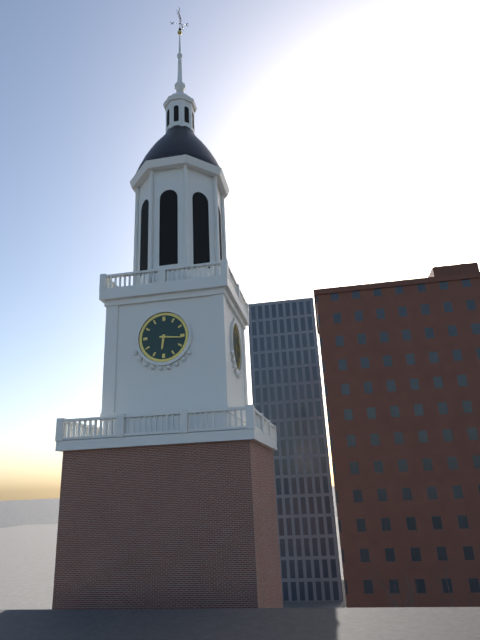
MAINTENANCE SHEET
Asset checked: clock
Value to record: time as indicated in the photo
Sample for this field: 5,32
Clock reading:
6,16
